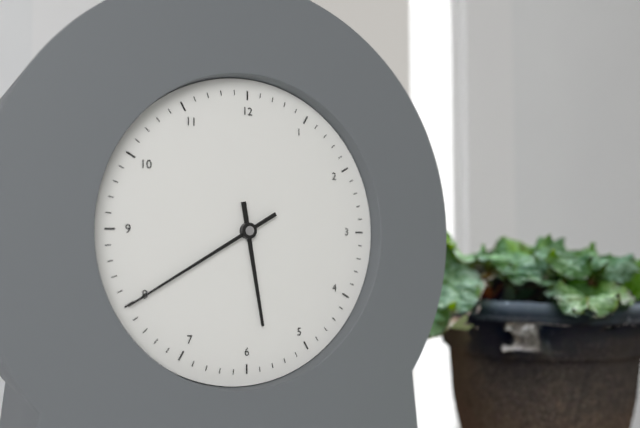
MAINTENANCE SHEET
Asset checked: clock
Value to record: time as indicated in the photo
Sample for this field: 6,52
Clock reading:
5,40
